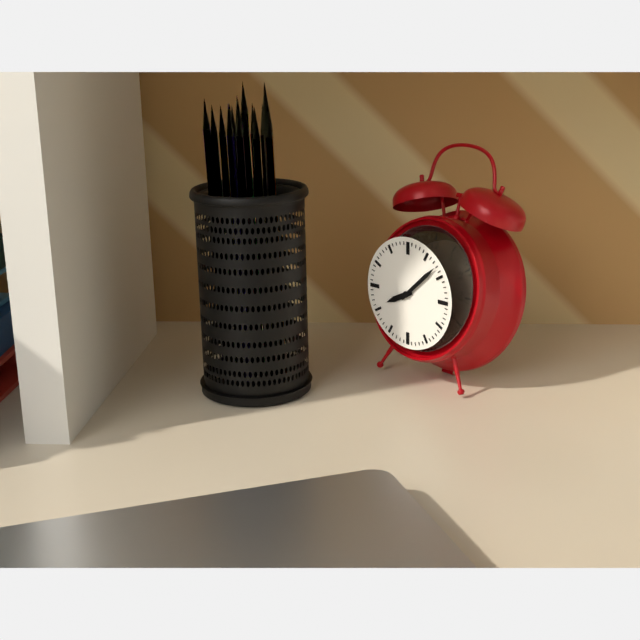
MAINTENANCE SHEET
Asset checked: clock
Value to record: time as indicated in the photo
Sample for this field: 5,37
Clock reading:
8,08
